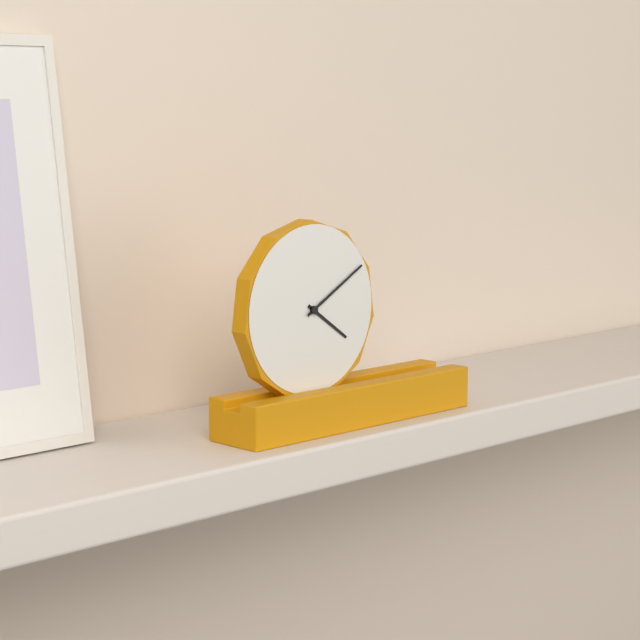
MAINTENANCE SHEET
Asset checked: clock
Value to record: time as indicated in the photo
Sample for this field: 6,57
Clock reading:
4,10
